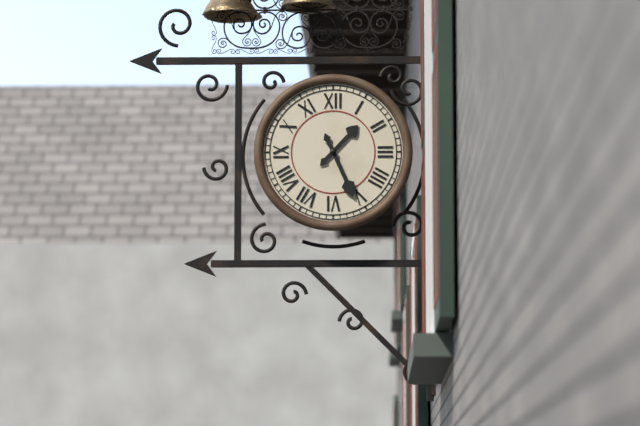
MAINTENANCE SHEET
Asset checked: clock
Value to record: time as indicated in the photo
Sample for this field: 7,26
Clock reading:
1,26
